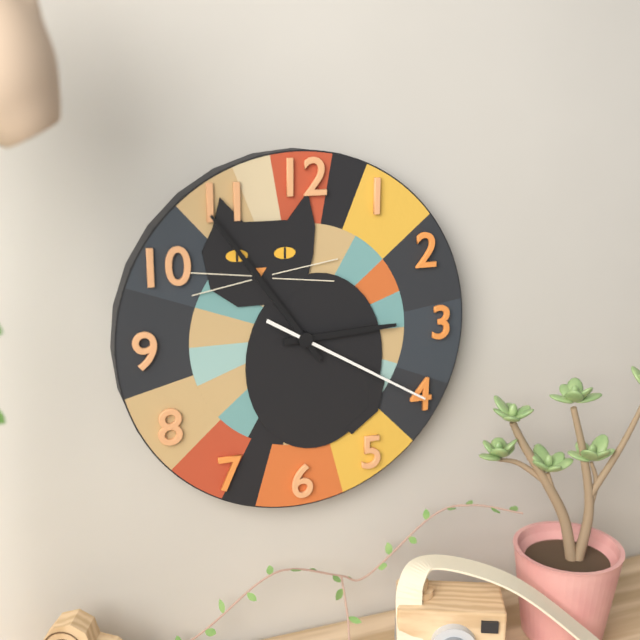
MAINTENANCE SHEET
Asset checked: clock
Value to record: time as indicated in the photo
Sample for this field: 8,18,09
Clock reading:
2,54,20
